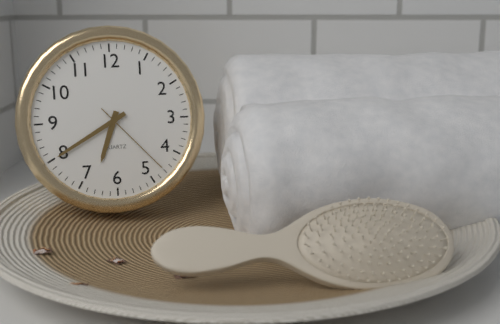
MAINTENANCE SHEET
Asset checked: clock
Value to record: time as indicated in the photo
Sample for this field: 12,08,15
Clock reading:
6,40,23
